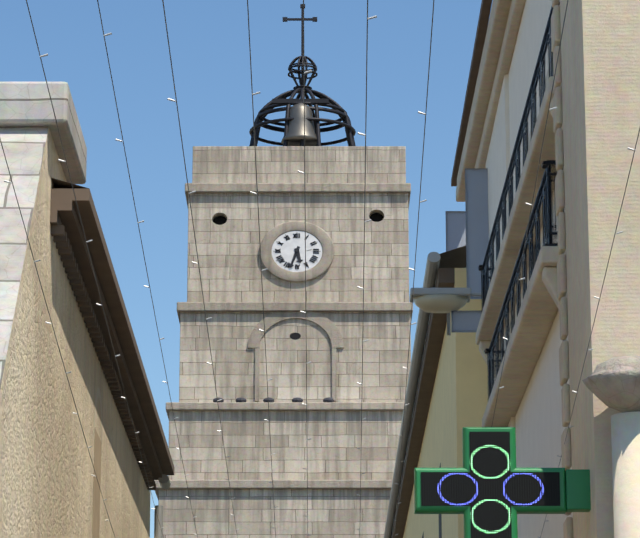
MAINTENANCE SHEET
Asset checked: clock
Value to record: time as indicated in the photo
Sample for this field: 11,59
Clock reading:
5,33
